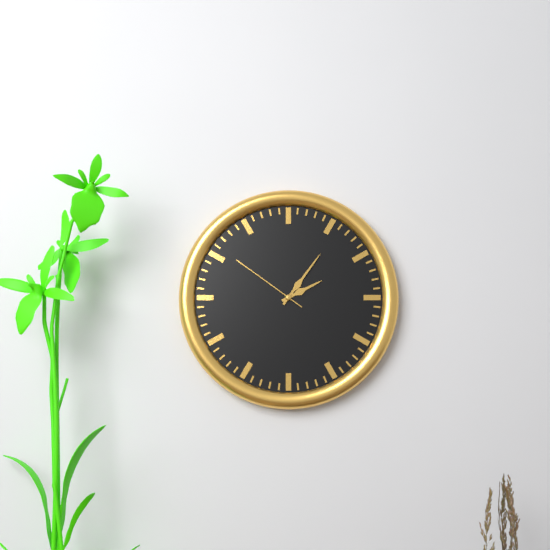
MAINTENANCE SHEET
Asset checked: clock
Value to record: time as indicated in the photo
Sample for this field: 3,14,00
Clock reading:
2,06,51
